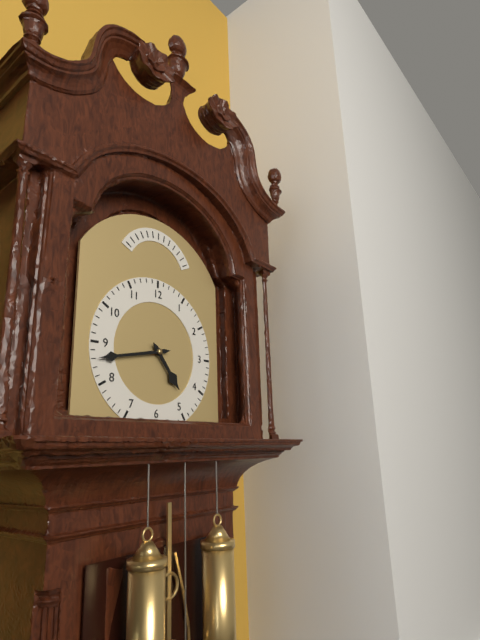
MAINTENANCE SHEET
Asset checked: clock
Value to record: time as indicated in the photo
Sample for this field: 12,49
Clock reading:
4,43
